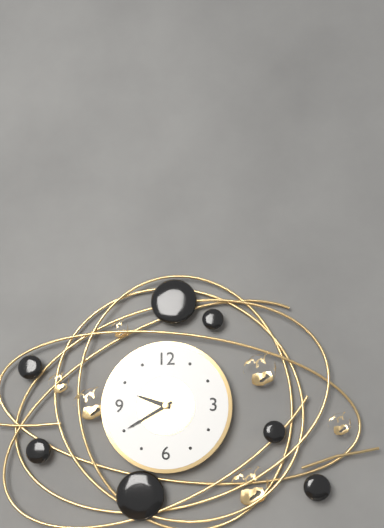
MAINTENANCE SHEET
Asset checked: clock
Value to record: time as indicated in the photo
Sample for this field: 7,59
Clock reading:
9,40
